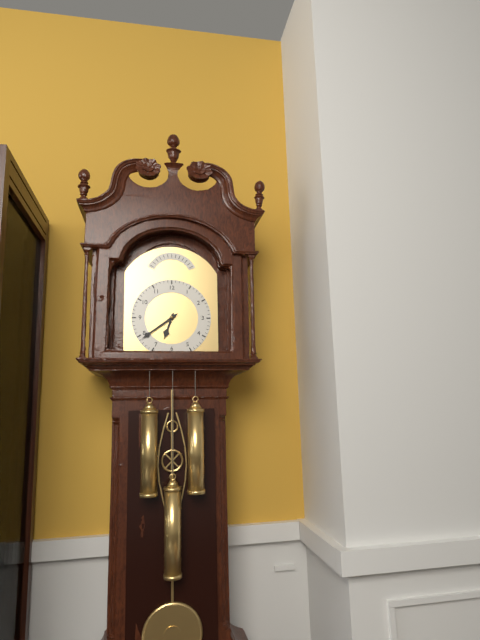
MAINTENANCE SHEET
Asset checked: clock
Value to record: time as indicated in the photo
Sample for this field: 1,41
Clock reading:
6,39
